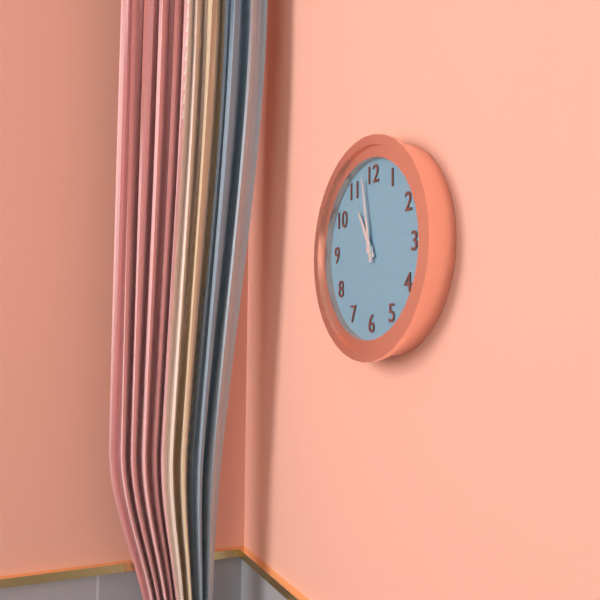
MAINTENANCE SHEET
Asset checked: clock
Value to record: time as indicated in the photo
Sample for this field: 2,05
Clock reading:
10,58
